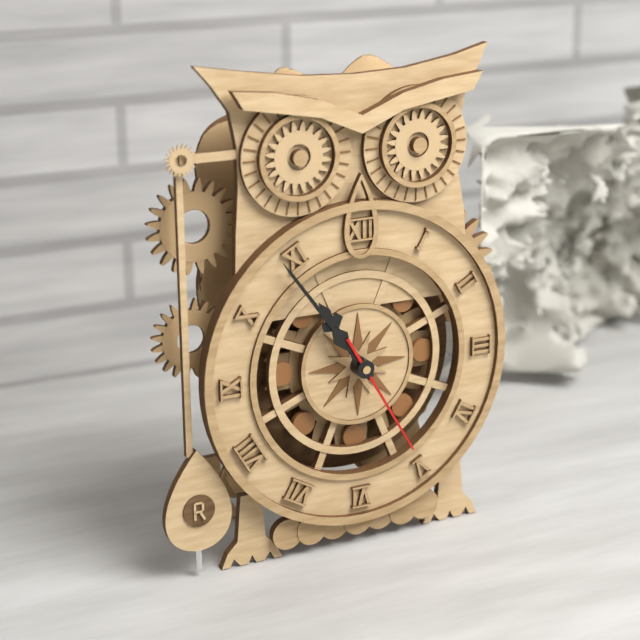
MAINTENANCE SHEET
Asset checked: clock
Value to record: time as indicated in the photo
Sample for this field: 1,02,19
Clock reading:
10,54,25
